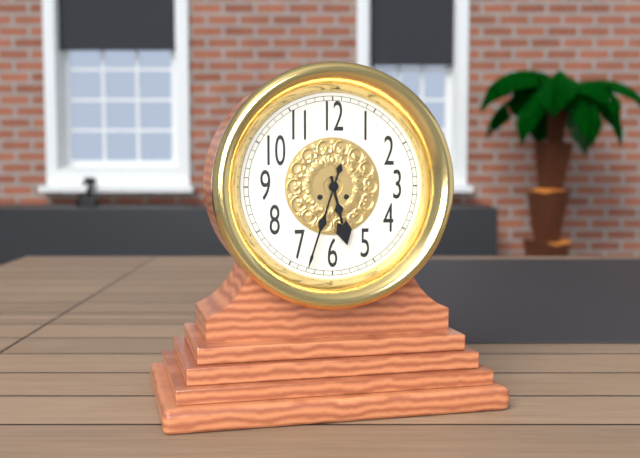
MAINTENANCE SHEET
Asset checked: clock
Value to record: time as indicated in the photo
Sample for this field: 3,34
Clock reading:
5,33
